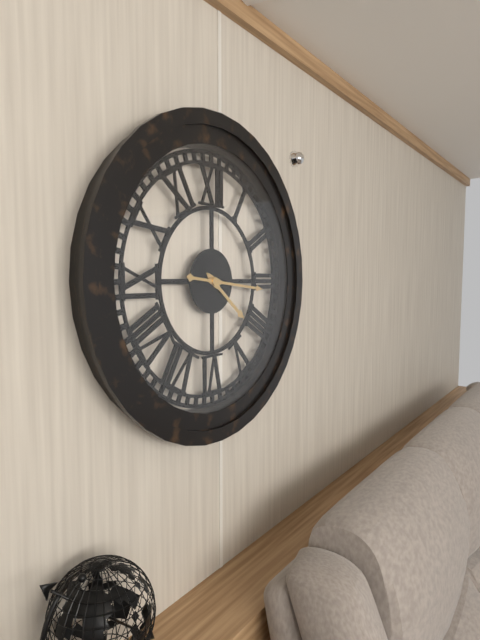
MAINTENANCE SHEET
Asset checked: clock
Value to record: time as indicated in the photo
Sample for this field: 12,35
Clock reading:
4,16
